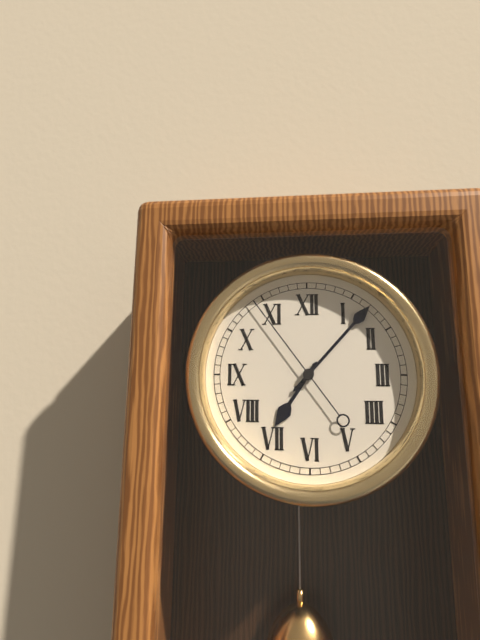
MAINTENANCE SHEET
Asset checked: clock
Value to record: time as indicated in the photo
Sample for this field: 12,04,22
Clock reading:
7,07,54
